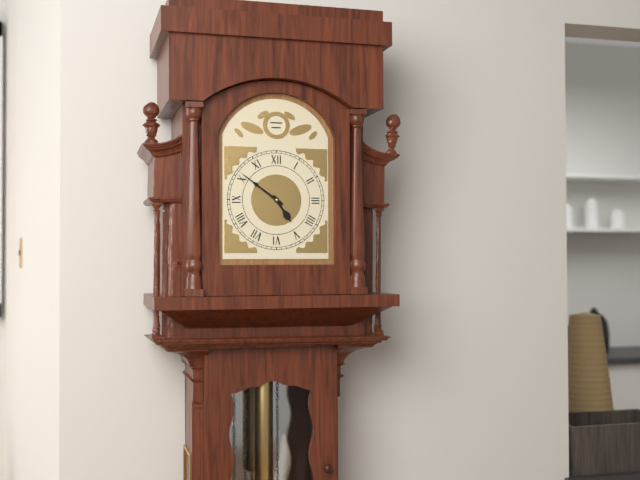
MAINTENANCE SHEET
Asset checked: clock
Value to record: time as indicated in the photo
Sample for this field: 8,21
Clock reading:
4,51
